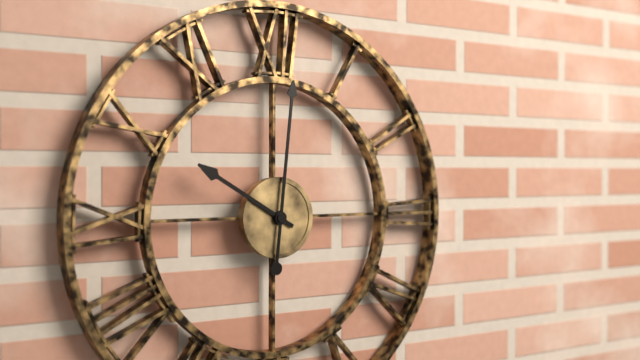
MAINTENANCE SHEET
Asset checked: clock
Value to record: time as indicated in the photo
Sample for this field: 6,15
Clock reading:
10,01
